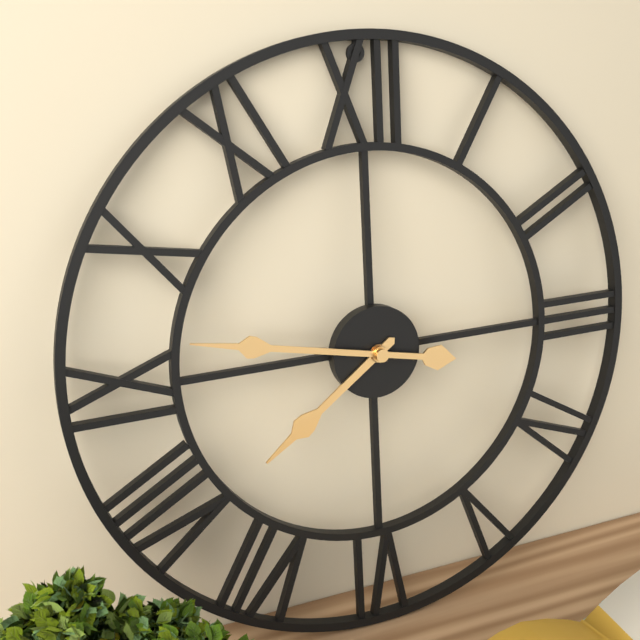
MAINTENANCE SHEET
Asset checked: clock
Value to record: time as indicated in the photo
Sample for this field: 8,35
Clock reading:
7,47
